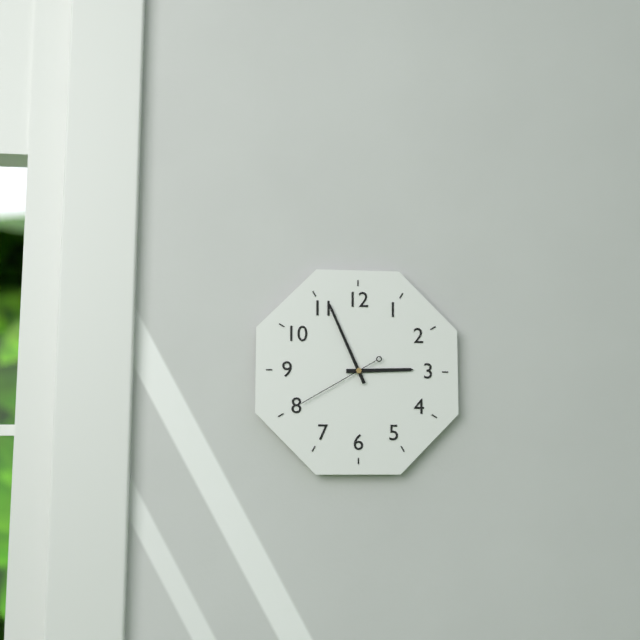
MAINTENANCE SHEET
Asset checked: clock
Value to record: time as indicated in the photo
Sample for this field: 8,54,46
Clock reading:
2,56,40
